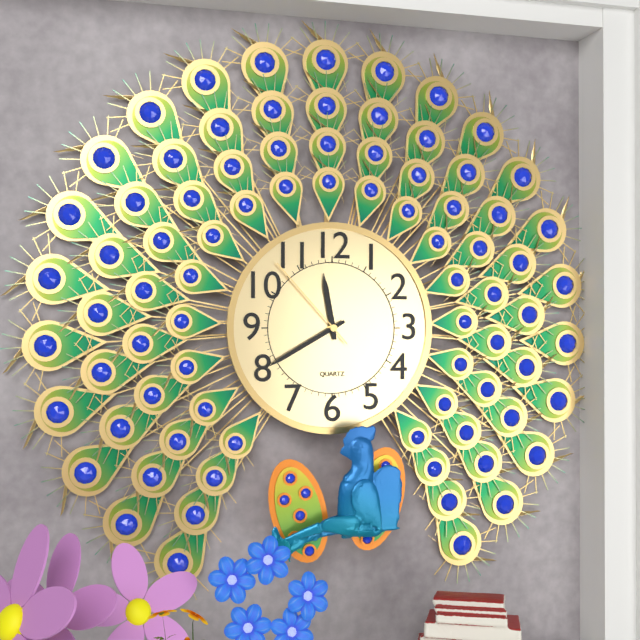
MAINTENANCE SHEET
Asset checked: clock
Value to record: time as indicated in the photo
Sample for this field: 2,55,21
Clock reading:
11,40,53
